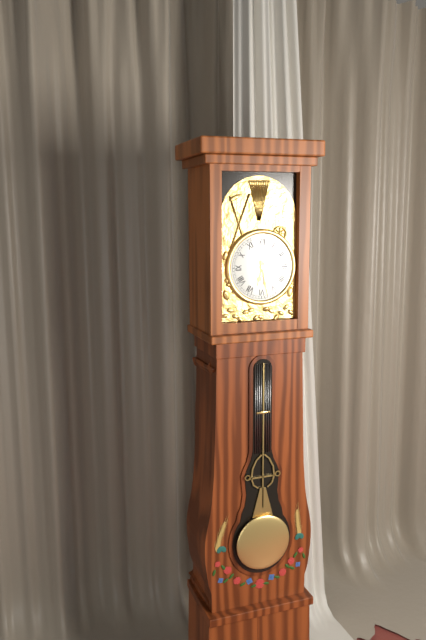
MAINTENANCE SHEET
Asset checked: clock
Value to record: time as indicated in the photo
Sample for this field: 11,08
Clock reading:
6,28
